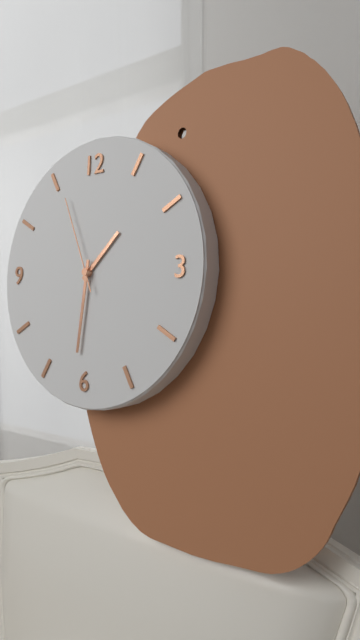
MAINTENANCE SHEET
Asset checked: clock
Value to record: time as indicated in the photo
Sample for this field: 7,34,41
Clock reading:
1,31,56
